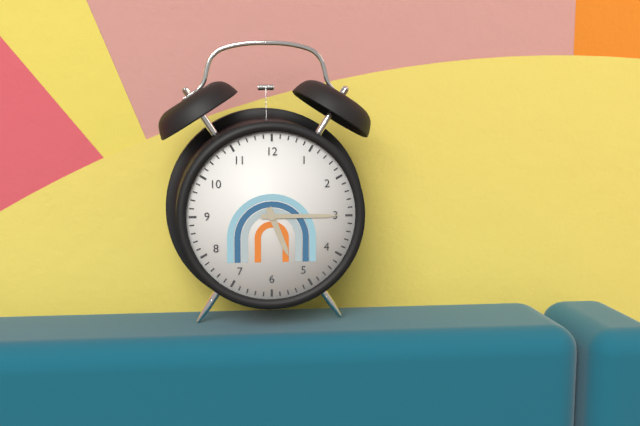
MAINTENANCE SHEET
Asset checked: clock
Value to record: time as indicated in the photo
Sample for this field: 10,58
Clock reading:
5,15
